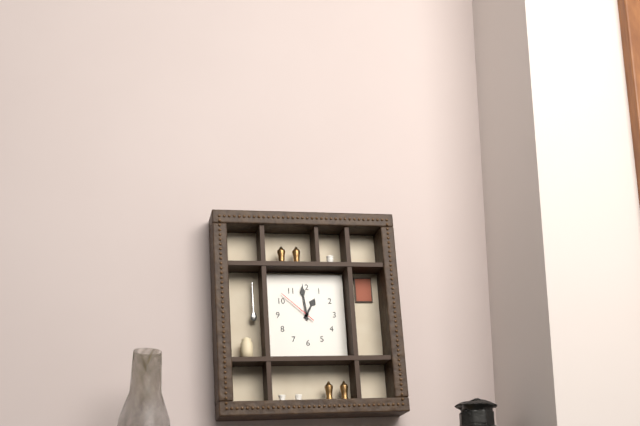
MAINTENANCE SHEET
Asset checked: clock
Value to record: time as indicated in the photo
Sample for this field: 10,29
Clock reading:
12,59
